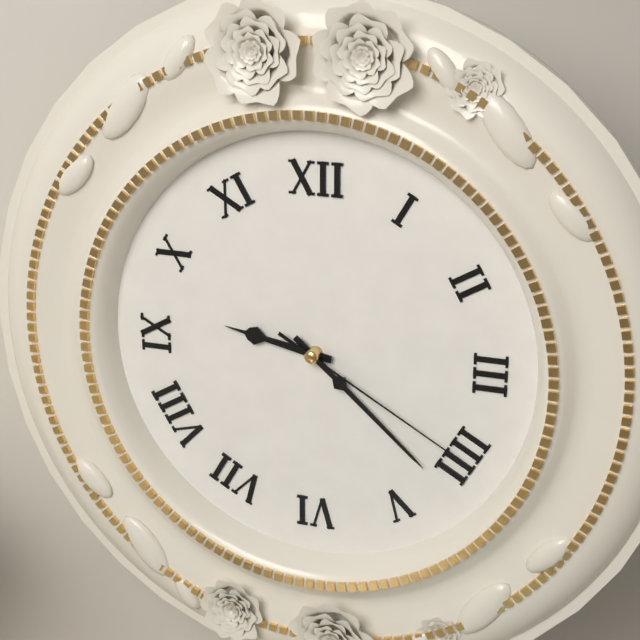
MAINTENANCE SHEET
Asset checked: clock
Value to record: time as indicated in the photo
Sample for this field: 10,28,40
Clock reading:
9,22,20
